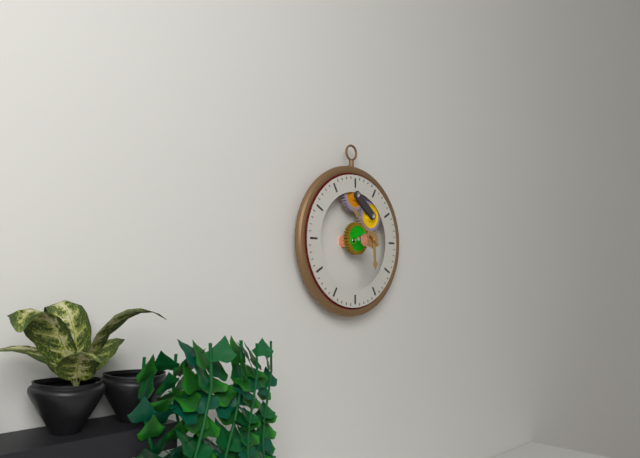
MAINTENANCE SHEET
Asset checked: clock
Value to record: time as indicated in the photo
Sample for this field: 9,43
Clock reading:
5,52
